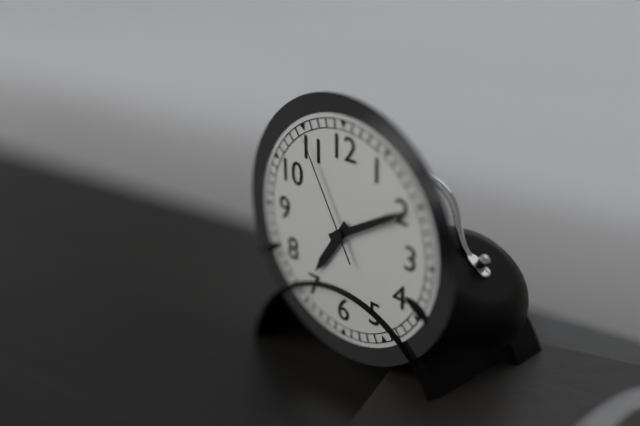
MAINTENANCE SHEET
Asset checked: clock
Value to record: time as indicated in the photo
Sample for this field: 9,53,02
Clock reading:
7,10,55
